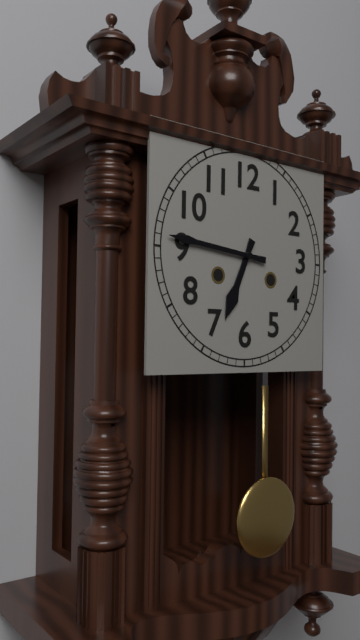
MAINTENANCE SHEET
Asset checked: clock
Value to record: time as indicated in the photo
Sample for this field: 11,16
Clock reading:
6,46
